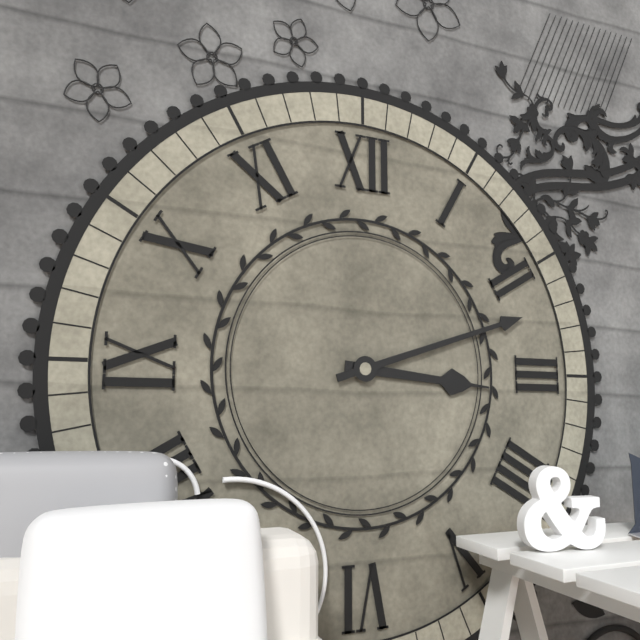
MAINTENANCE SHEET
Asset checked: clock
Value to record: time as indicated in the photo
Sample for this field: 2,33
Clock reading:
3,12
